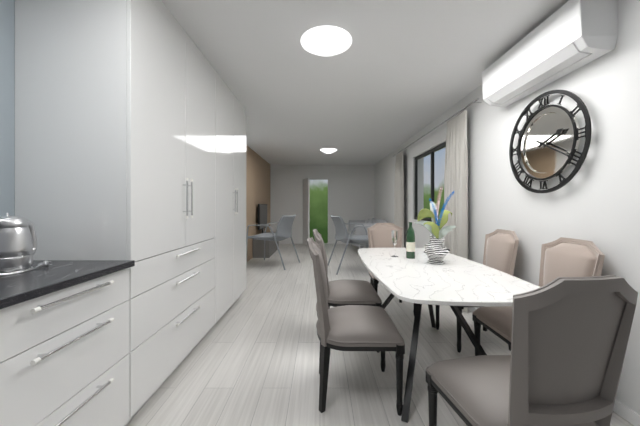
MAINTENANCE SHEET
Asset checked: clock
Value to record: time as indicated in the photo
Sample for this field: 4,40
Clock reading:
2,20
